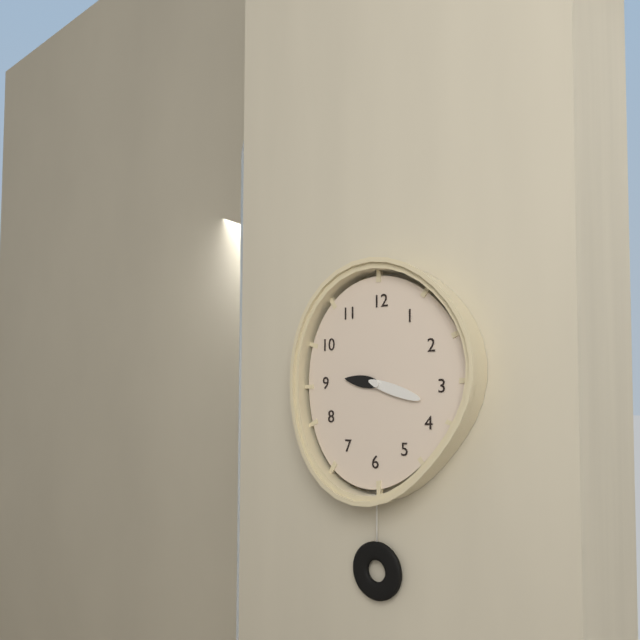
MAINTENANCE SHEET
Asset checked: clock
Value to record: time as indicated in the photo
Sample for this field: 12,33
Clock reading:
9,18
